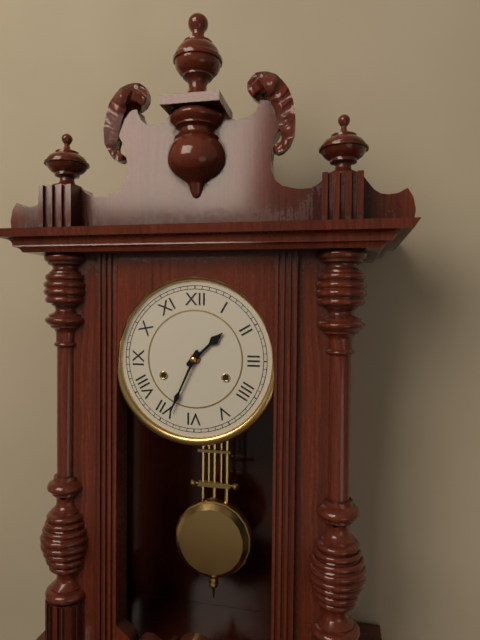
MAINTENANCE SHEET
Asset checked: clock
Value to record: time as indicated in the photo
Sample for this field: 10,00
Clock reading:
1,34
